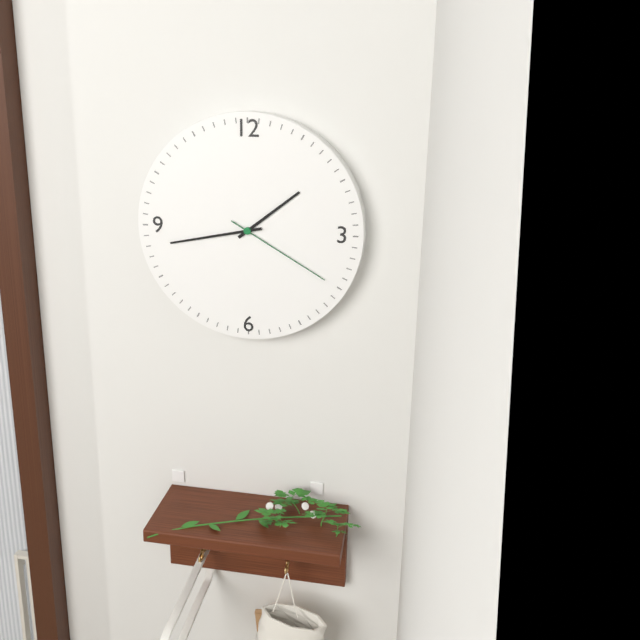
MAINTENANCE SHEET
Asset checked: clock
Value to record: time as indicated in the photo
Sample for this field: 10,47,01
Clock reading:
1,43,20
